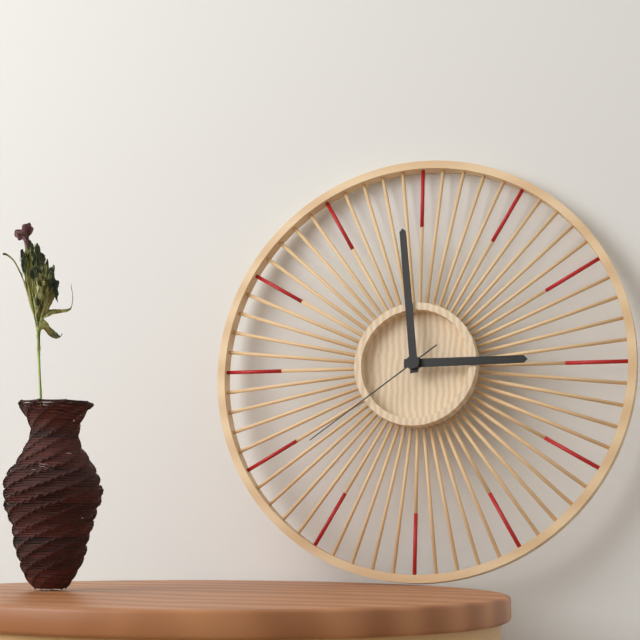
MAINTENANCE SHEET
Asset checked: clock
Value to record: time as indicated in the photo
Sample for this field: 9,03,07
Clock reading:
2,59,39
